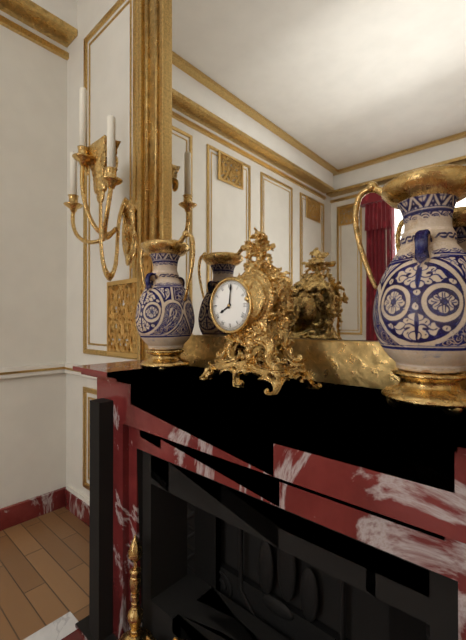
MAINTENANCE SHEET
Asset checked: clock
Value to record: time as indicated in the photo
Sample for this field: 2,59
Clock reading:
8,01
